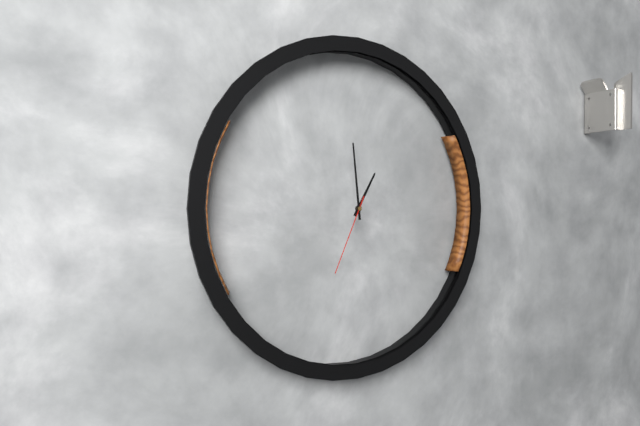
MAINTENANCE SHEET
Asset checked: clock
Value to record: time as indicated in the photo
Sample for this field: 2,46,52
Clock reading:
12,59,34
